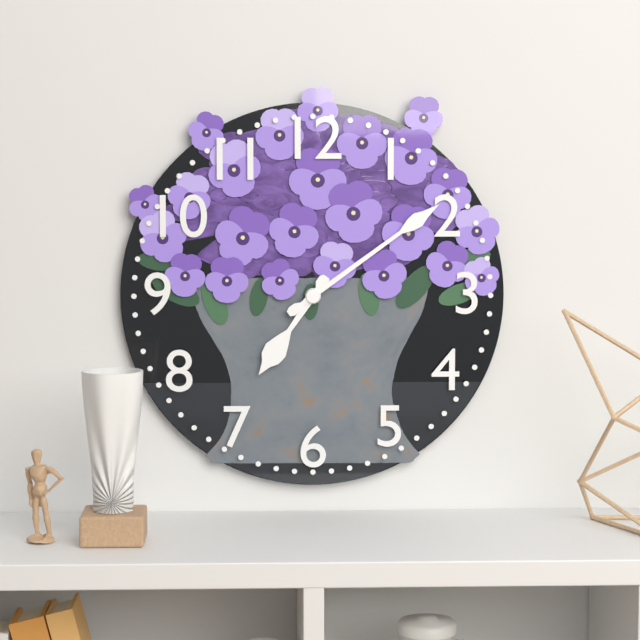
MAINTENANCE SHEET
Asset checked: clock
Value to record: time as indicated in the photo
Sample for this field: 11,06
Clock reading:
7,09
